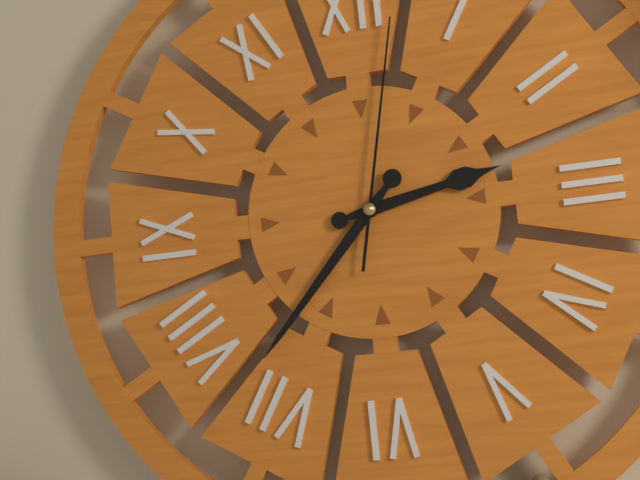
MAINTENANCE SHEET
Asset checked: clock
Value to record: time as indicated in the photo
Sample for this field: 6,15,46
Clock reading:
2,37,02
